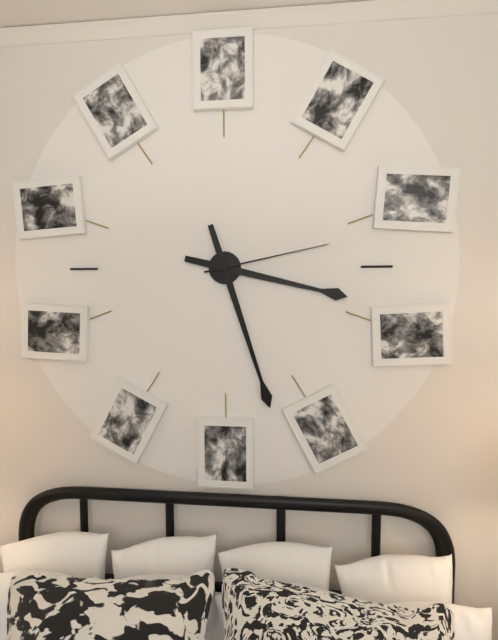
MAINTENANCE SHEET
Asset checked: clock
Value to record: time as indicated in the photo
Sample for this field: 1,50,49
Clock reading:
3,27,13
